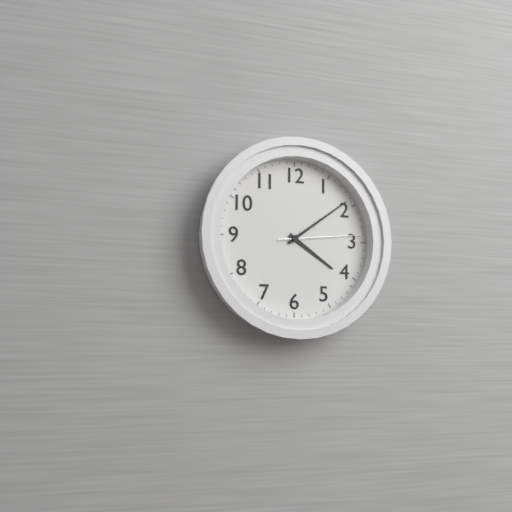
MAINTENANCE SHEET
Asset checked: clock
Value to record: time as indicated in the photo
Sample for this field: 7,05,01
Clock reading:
4,09,14
